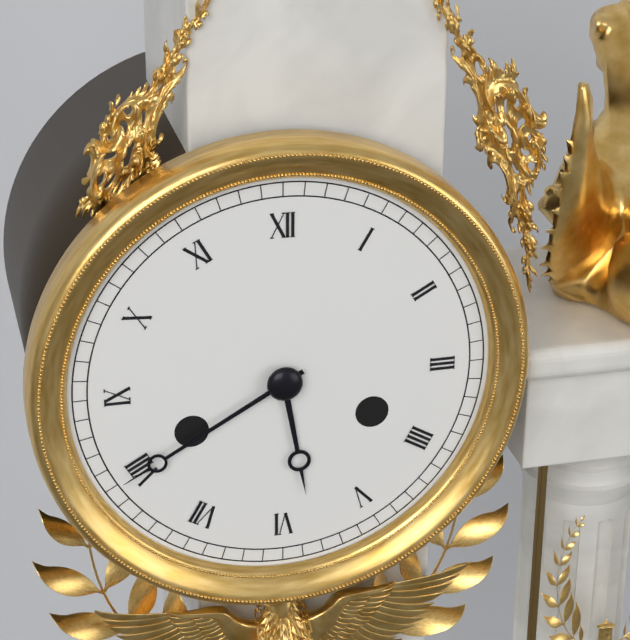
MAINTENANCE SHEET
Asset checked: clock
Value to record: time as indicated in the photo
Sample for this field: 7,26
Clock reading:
5,40
